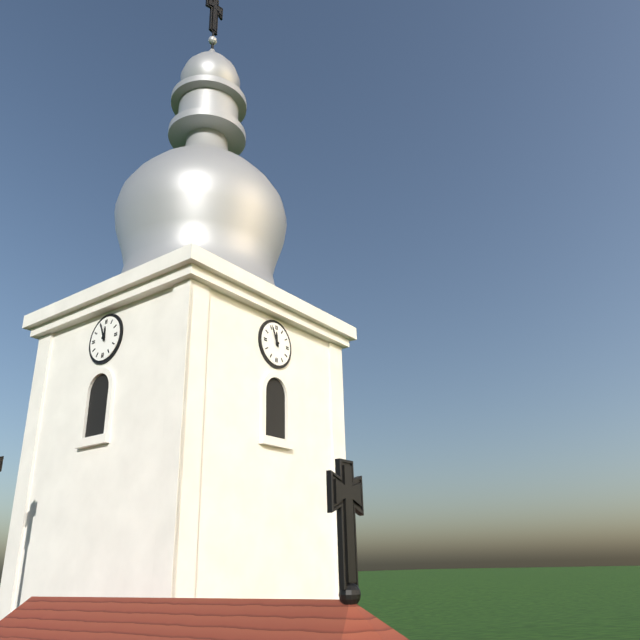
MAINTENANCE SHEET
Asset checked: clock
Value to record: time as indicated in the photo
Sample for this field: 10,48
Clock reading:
11,56
